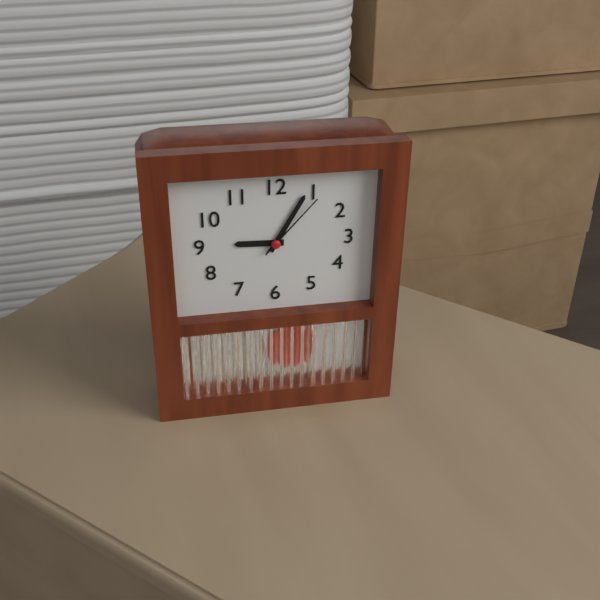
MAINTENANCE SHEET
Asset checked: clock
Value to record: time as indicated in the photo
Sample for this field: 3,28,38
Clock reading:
9,05,07
